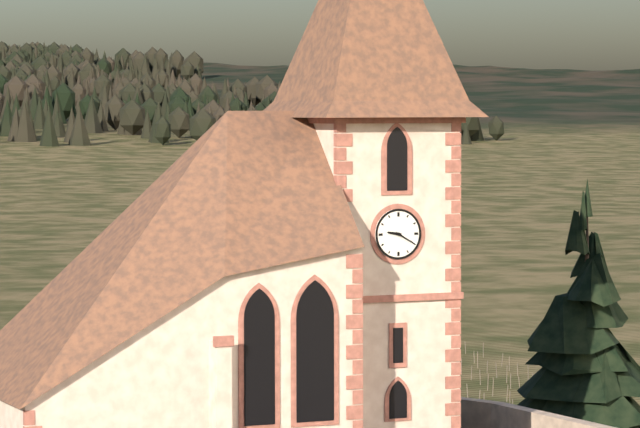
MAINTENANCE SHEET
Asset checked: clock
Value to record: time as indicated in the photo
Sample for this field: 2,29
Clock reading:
9,20
